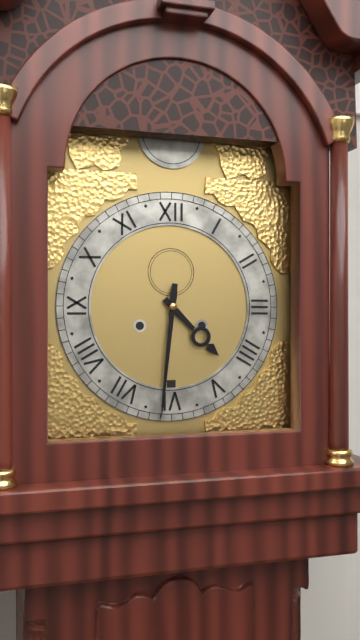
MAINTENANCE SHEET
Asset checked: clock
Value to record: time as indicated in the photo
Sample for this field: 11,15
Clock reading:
4,31
